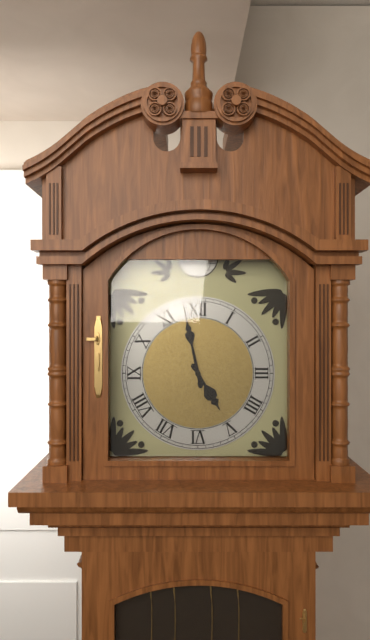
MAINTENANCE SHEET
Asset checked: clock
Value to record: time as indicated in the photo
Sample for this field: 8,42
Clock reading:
4,58
